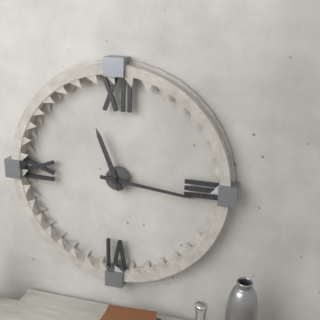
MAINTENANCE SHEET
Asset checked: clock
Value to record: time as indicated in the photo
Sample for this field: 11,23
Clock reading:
11,16
